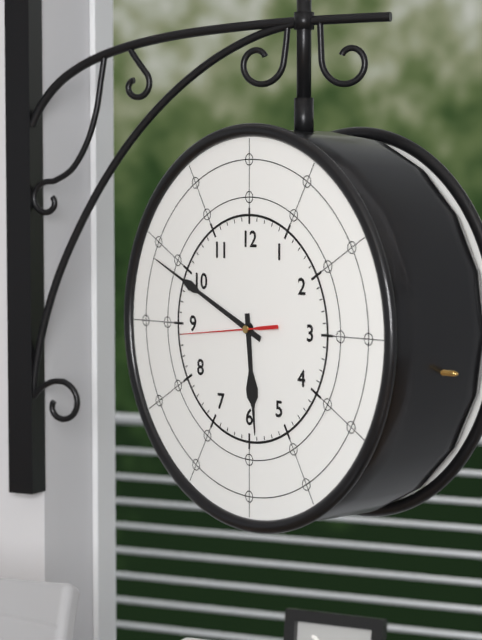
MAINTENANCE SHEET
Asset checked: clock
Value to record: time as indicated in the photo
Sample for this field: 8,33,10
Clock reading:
5,49,44
